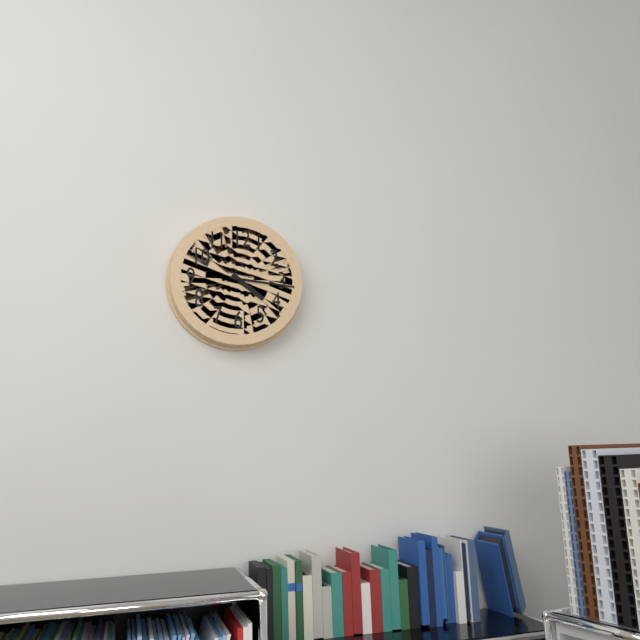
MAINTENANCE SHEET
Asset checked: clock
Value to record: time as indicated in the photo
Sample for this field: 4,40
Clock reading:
4,16
